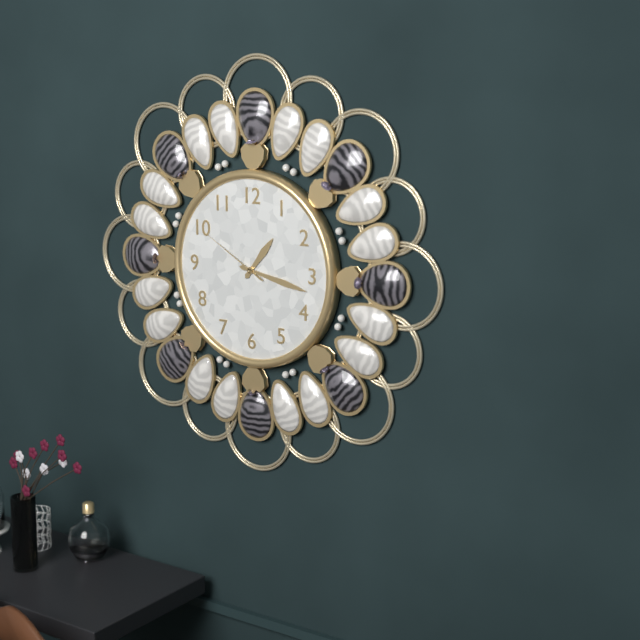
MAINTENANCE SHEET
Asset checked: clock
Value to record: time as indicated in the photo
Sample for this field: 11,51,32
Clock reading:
1,17,50
